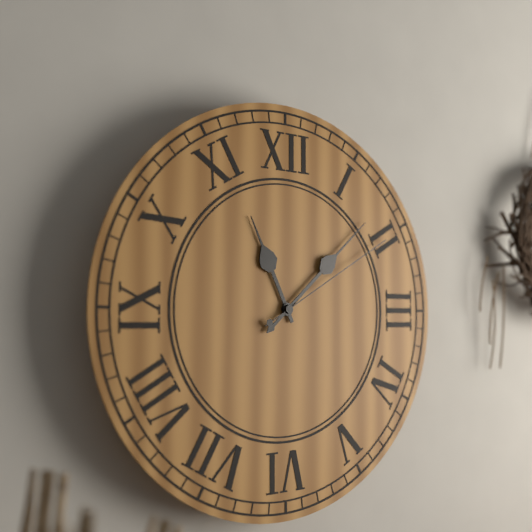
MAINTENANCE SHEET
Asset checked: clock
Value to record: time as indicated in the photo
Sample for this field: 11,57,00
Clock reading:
11,08,10
